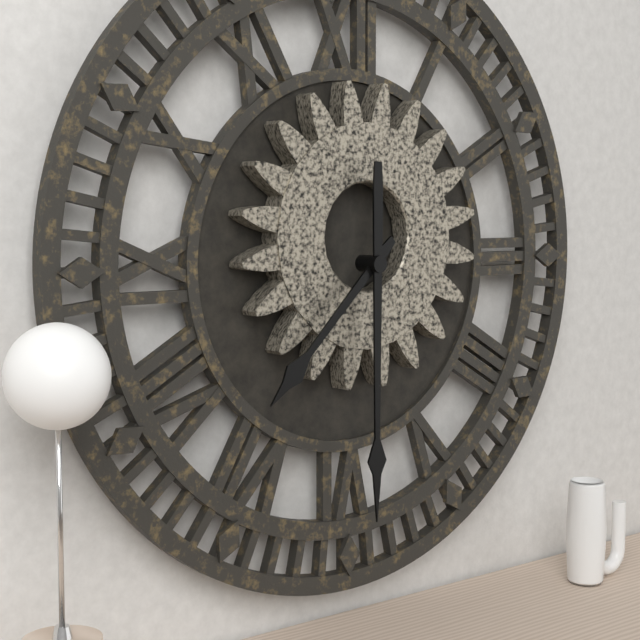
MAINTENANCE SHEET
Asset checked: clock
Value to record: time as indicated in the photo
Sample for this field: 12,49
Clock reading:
7,30
